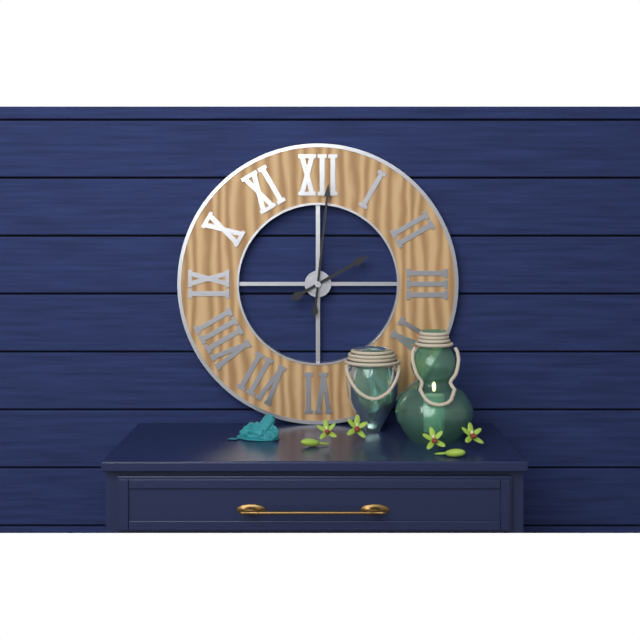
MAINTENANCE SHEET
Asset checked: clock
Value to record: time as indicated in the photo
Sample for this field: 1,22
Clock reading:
2,01
